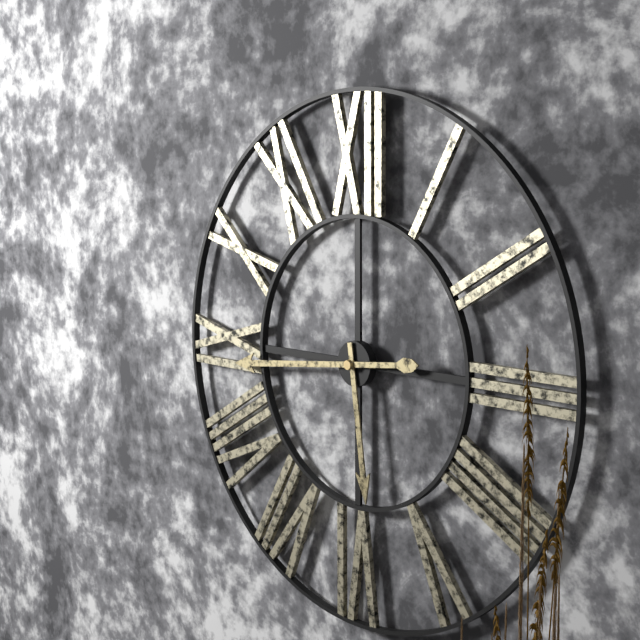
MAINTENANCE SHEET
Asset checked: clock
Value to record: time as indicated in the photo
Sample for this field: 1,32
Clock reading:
5,44
